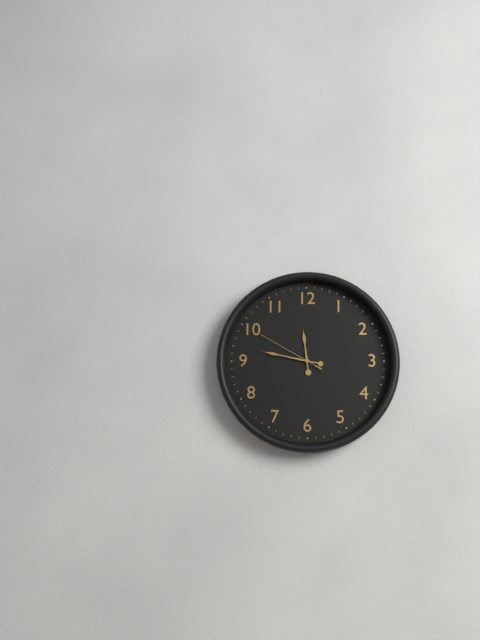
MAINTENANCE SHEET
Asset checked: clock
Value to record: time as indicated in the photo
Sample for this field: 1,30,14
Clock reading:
11,47,50
